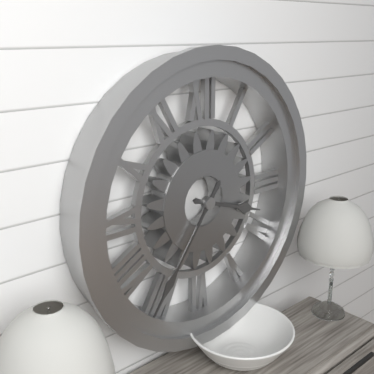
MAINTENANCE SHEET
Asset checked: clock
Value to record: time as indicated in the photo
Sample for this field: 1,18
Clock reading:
3,36
